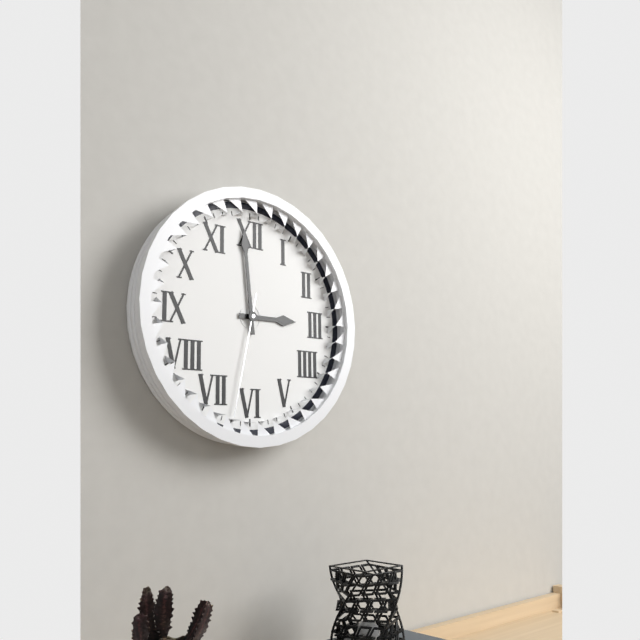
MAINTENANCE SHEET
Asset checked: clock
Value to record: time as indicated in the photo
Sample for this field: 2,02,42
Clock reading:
2,59,32
